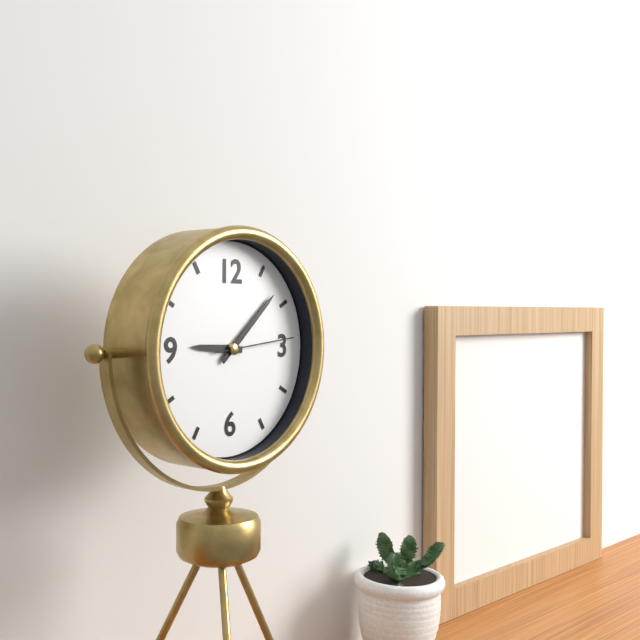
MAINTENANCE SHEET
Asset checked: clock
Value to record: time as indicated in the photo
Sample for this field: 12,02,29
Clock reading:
9,08,14
